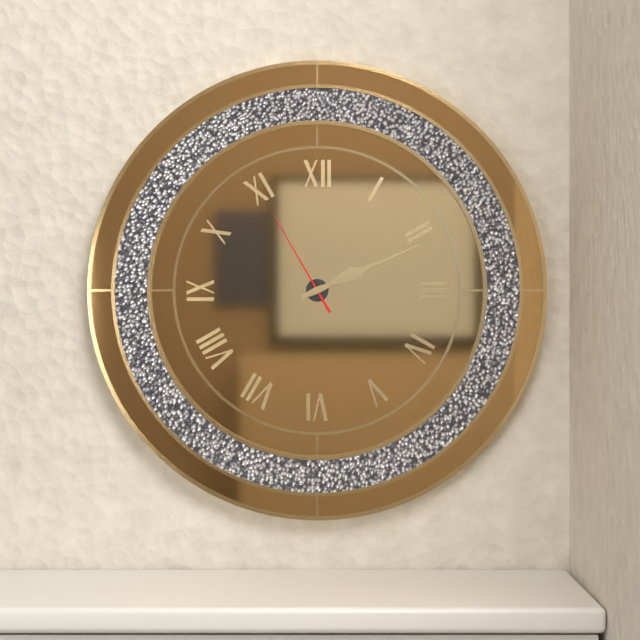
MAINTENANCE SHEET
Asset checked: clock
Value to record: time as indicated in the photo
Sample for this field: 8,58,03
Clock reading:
2,11,55
